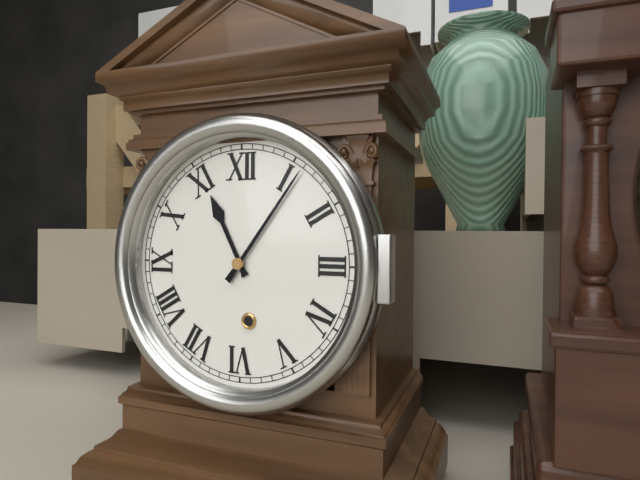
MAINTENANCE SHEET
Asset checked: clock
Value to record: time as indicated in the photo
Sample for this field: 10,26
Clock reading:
11,06
